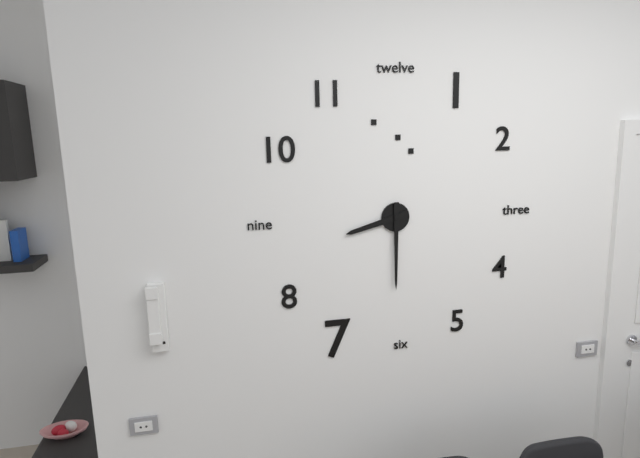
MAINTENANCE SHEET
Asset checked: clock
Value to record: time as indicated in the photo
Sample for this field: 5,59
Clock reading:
8,30
